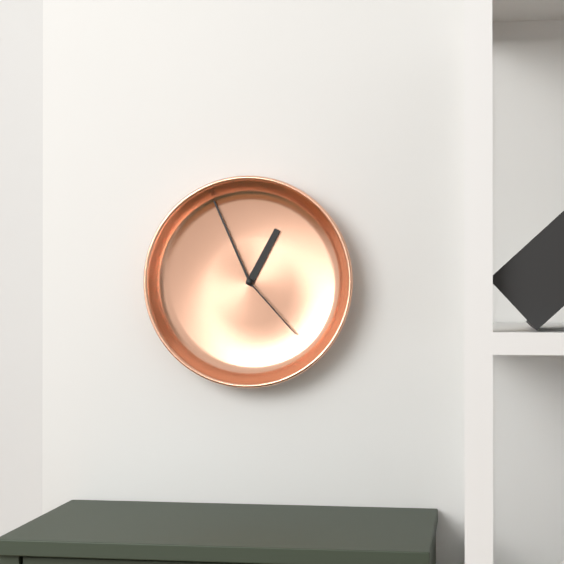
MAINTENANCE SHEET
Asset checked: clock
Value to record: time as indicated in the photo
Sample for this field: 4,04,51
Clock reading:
12,56,23
